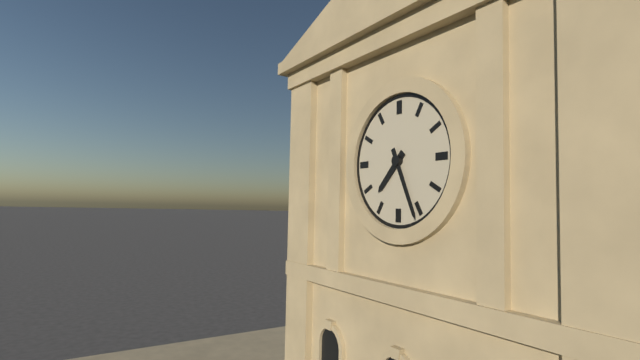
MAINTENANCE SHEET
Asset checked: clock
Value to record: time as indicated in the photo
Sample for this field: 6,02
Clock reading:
7,26
